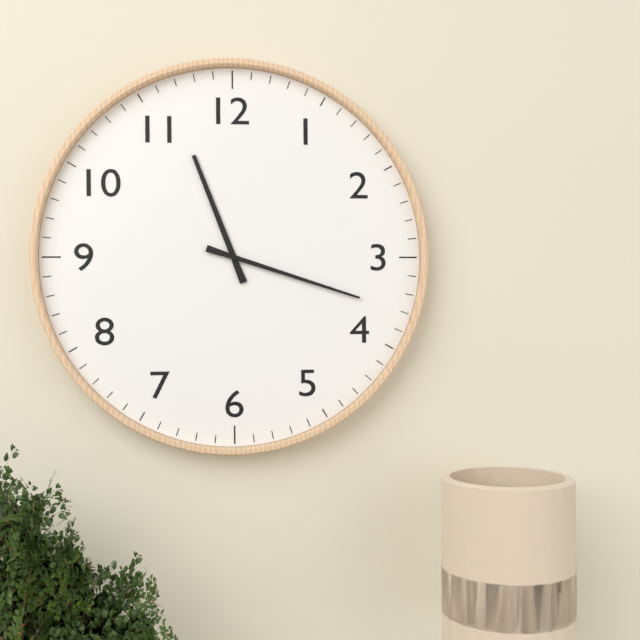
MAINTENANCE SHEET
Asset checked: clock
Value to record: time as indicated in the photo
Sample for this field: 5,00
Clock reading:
11,18
